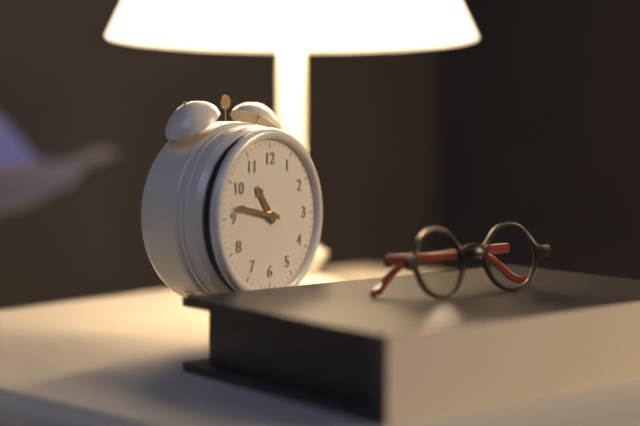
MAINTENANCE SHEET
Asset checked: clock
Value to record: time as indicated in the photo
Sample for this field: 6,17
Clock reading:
10,47
